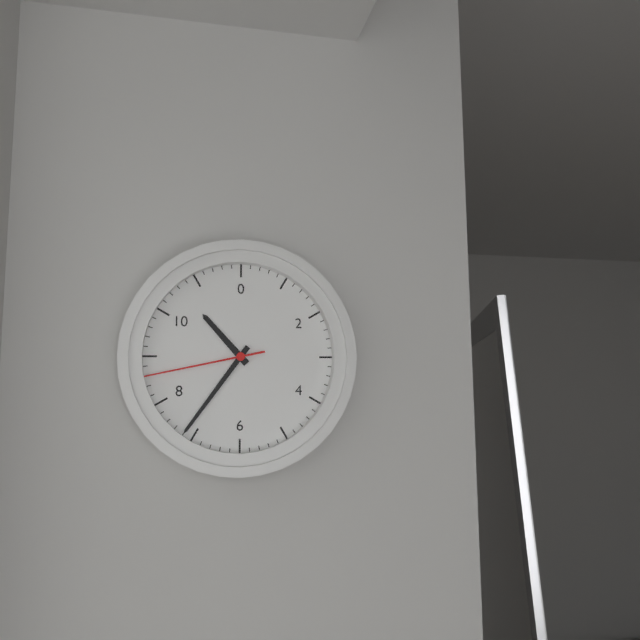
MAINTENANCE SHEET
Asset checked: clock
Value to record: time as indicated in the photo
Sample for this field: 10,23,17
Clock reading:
10,36,43
